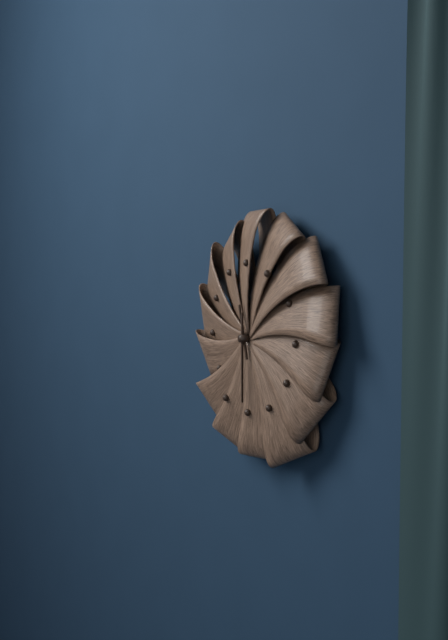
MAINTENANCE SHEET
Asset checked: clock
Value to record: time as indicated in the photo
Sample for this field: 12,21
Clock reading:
11,30
